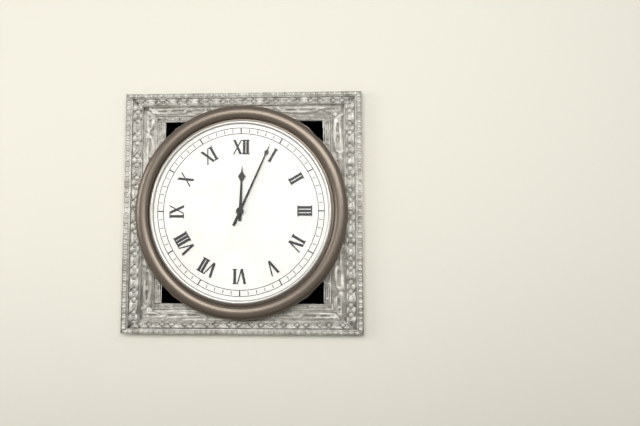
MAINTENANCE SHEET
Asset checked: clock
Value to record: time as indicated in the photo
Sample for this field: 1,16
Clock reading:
12,04
